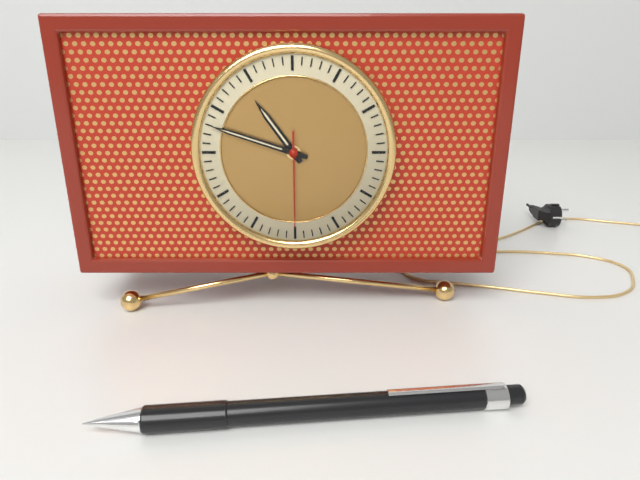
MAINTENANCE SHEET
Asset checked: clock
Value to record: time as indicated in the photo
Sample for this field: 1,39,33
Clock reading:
10,48,30
